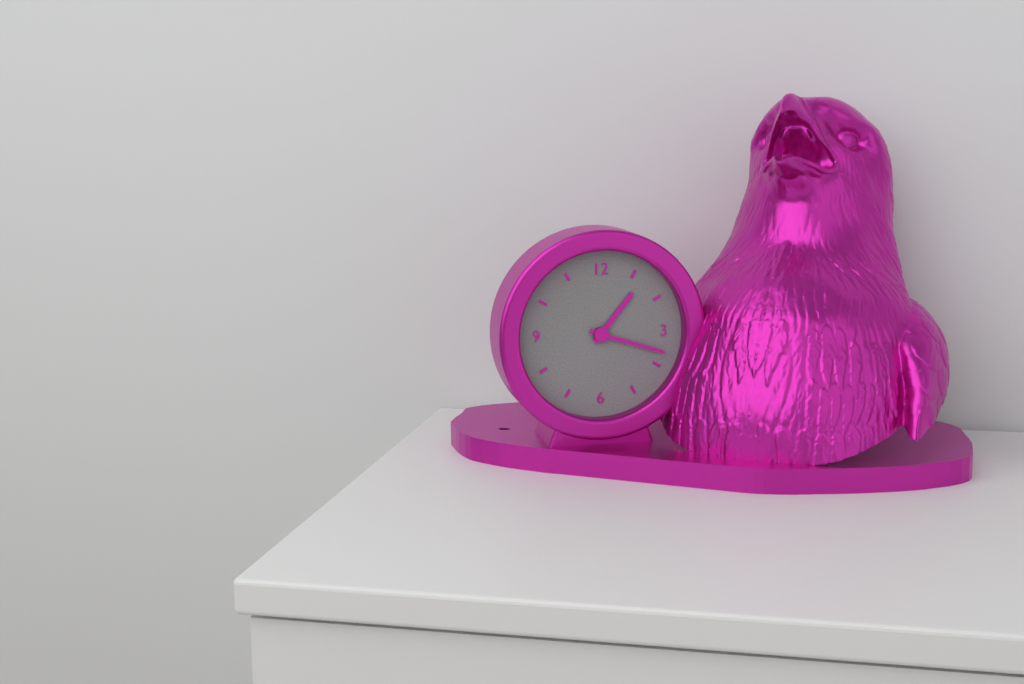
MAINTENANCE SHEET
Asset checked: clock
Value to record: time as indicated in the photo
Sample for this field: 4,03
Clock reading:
1,18
